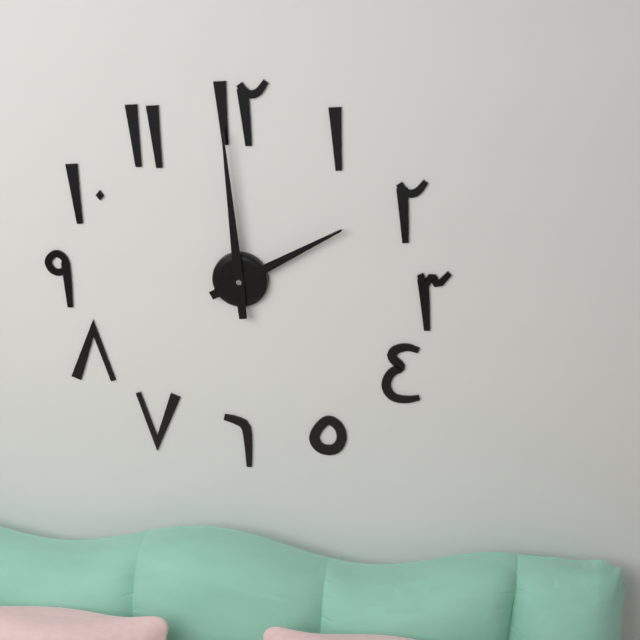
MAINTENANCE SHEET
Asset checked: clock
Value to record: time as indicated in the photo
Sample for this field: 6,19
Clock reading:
1,59
